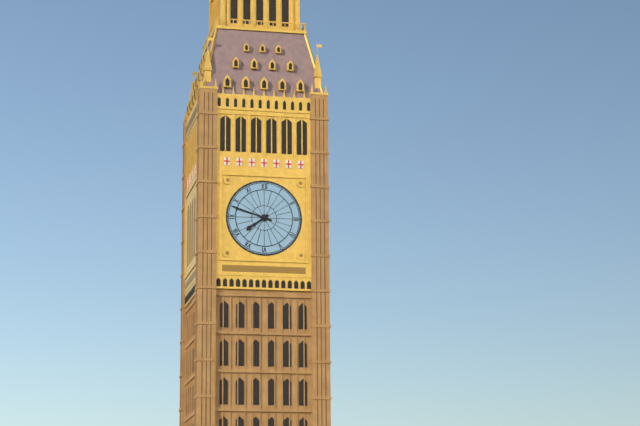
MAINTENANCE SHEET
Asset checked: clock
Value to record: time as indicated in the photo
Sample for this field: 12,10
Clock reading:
7,48
